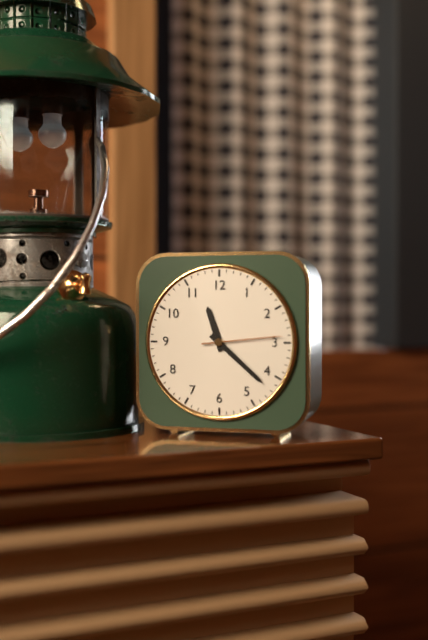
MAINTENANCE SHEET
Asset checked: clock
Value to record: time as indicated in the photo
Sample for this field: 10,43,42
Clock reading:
11,22,14
